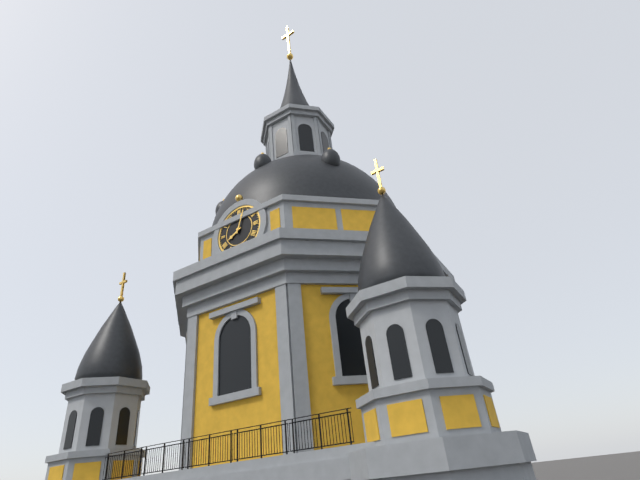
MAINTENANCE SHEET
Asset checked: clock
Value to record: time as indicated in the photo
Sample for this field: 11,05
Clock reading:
8,03
